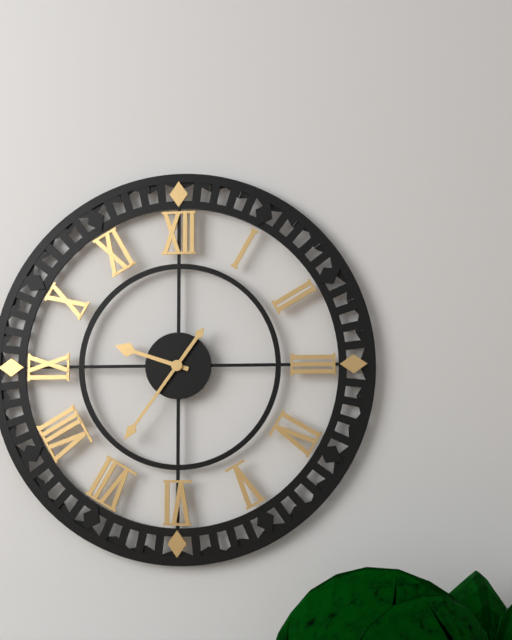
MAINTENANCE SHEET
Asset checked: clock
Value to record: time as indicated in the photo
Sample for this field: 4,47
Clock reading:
9,36
